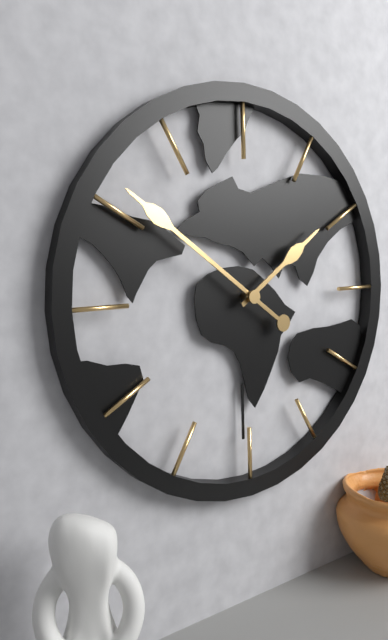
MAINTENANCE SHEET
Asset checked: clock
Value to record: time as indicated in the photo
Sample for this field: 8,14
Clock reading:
1,51
